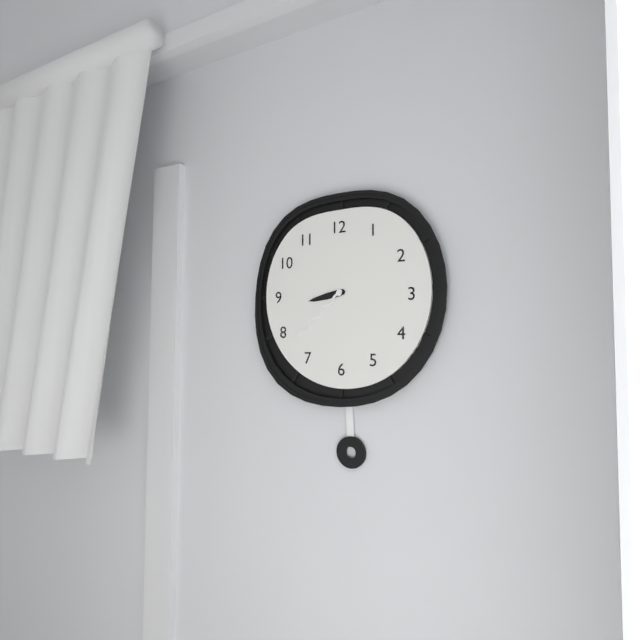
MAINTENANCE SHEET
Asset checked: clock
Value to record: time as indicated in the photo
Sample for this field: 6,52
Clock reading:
8,38
